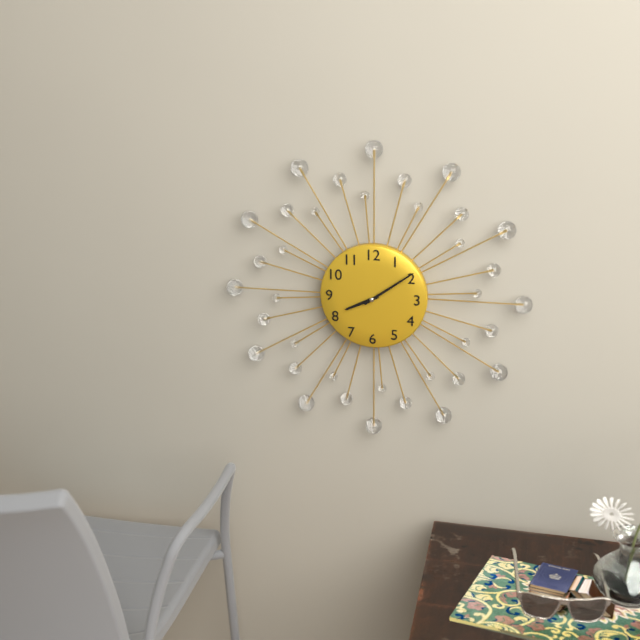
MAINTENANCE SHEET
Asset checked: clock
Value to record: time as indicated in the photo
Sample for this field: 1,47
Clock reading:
8,09
